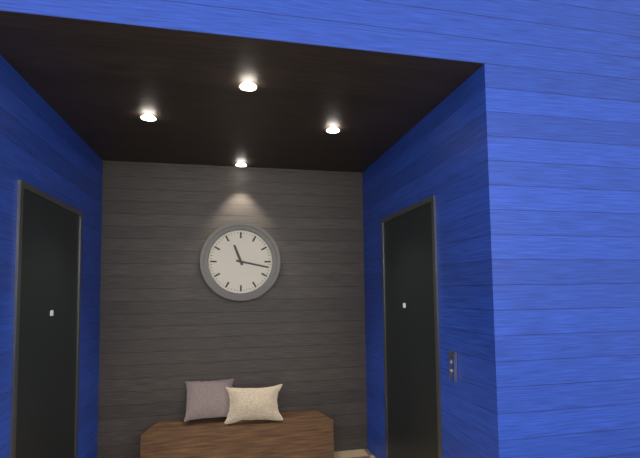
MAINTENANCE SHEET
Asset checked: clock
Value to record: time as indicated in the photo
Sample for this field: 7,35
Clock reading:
11,17
